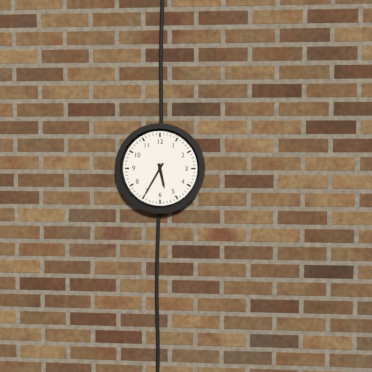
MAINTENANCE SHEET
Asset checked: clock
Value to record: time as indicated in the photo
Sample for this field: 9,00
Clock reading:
5,35
